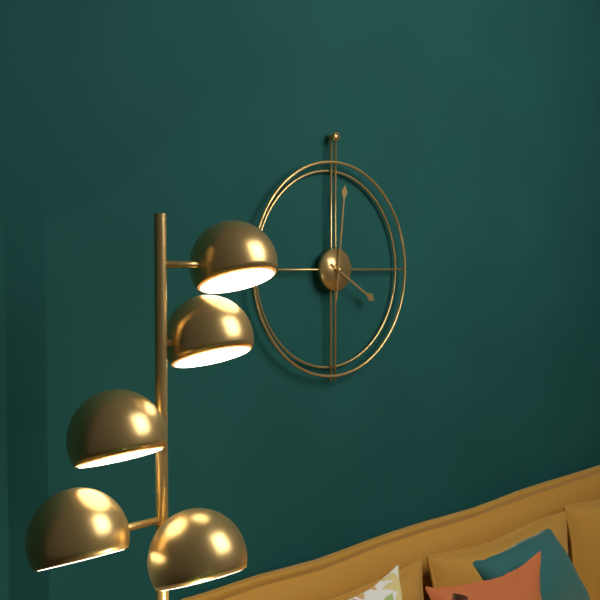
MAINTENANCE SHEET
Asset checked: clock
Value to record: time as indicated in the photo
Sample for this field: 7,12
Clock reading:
4,01
